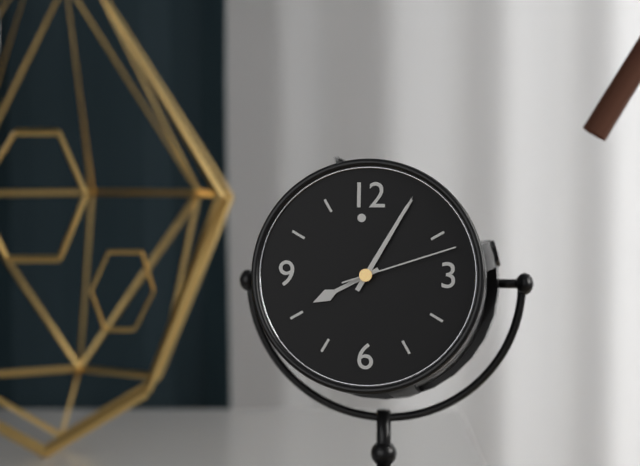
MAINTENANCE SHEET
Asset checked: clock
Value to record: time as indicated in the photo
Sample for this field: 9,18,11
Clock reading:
8,05,12
